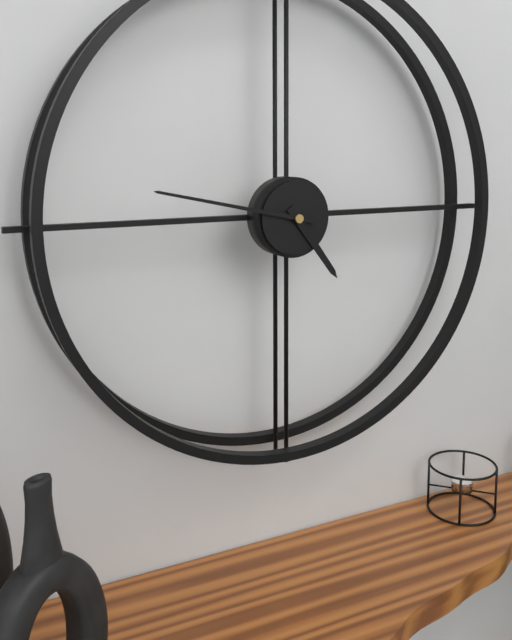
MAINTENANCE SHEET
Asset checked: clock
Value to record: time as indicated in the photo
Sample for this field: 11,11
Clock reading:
4,47
